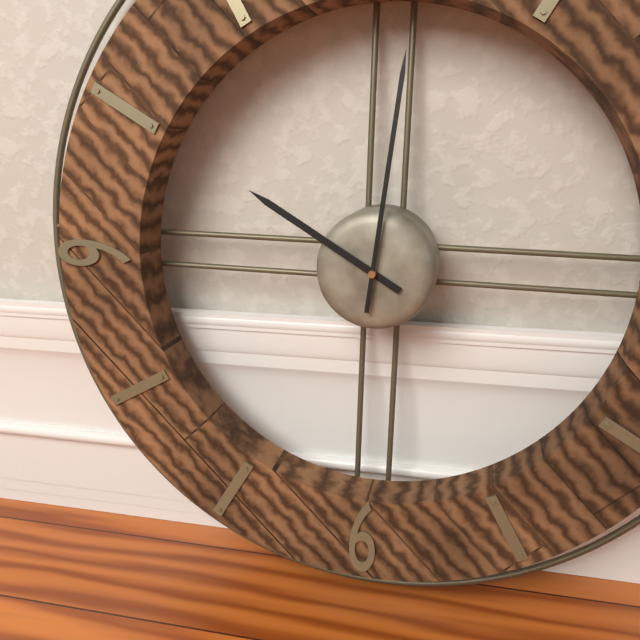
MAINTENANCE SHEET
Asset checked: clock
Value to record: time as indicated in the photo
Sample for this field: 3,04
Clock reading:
10,01
